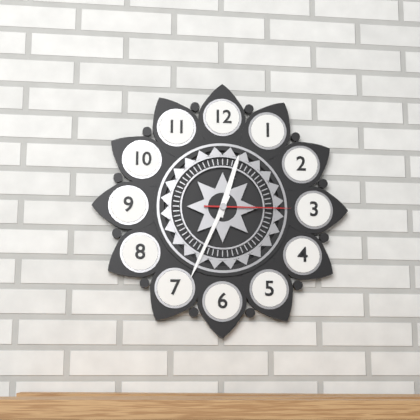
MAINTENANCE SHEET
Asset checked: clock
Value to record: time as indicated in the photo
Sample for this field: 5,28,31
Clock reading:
12,34,15
